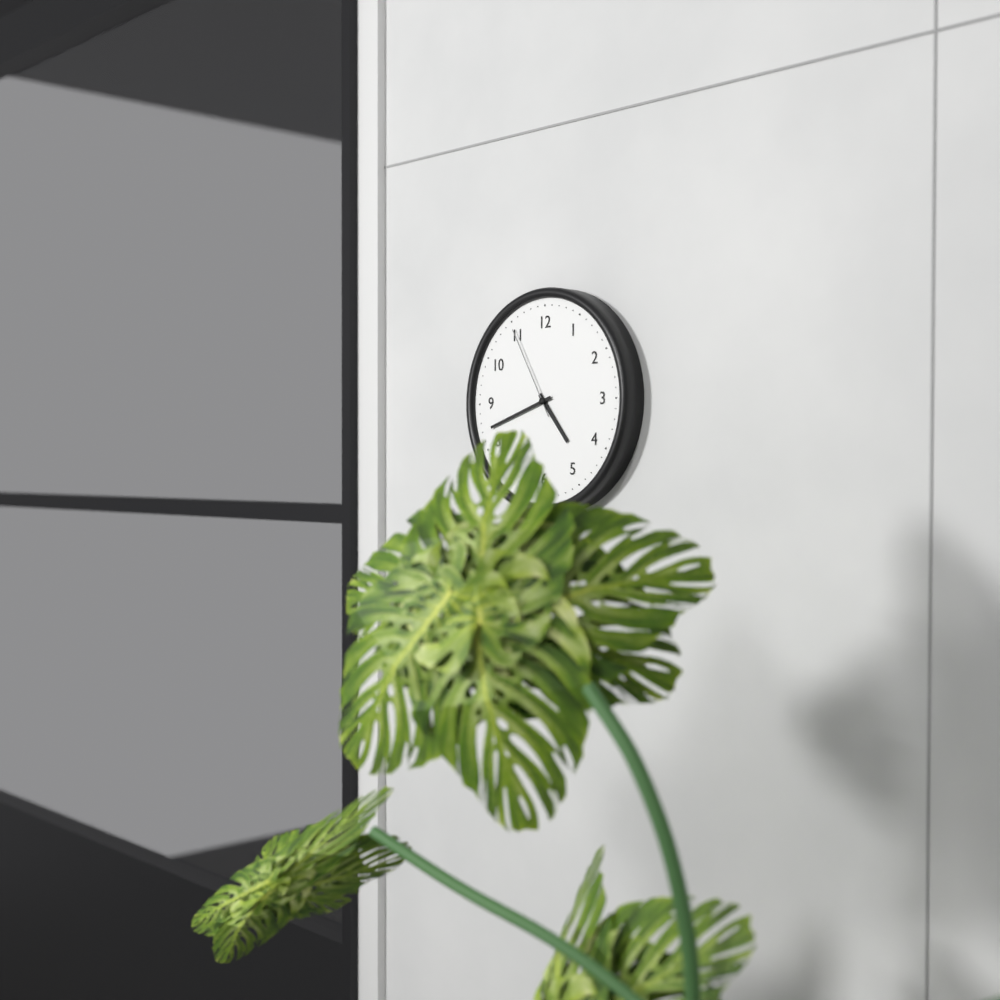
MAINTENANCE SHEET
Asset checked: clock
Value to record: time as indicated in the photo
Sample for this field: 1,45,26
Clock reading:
4,42,55
